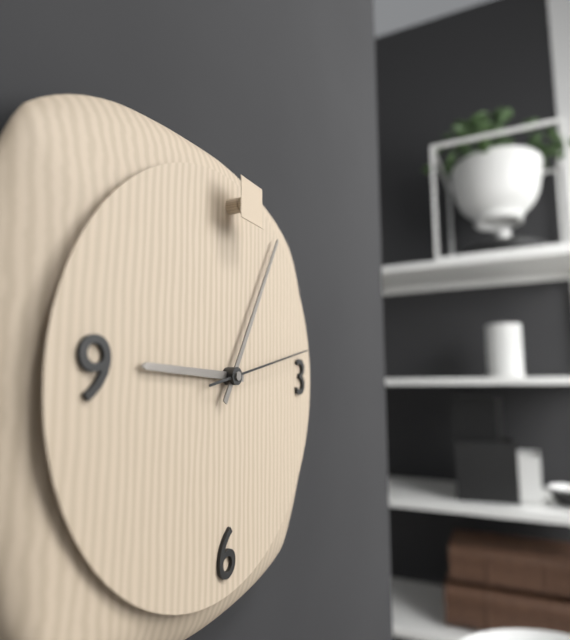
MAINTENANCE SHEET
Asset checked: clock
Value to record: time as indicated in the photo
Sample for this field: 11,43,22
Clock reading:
9,05,13
